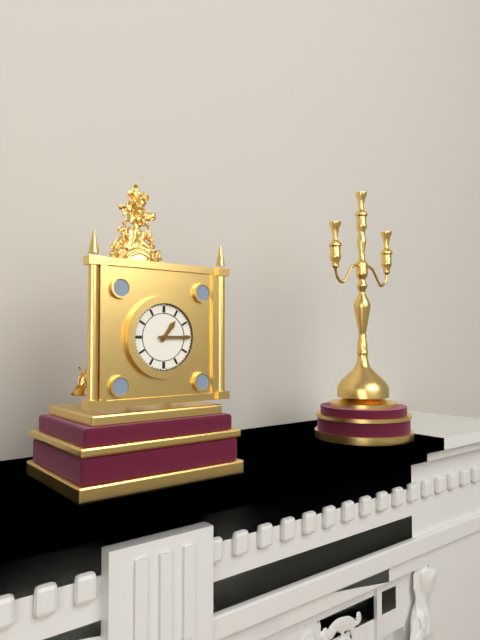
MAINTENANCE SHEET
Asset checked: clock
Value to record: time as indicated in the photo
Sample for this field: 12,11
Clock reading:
1,15
